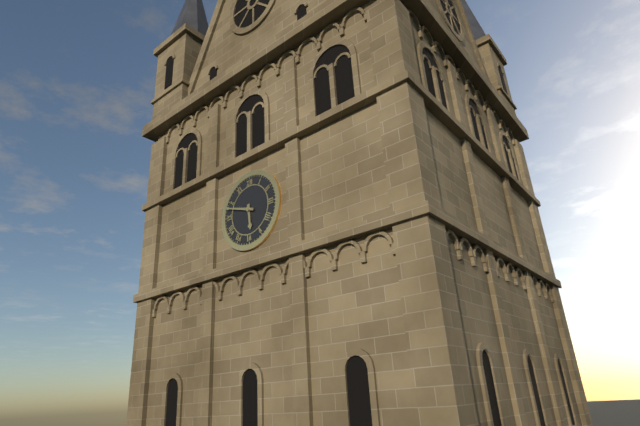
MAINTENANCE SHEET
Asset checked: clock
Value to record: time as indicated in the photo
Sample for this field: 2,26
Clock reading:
5,48
